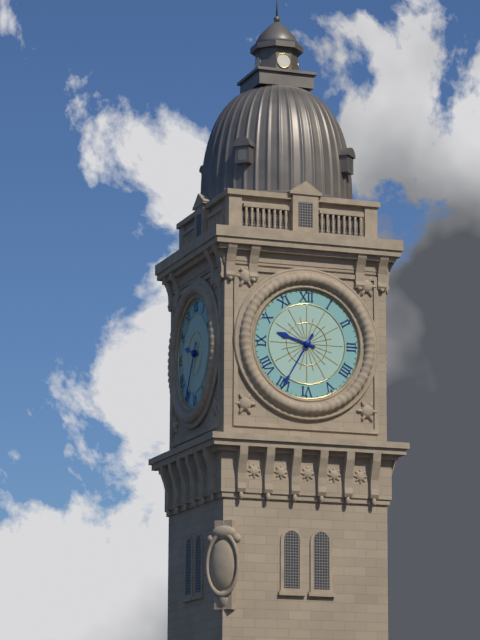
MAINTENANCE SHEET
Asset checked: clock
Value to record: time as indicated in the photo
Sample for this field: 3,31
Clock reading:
9,35
